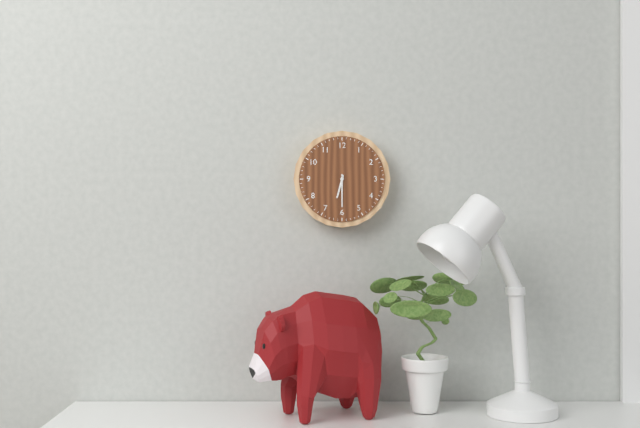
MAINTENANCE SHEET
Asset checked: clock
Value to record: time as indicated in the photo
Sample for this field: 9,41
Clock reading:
6,30
